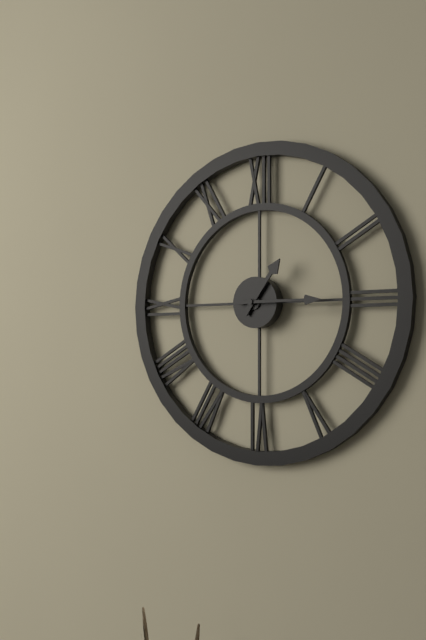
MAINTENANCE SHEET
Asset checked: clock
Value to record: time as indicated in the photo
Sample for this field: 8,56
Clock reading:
1,15
